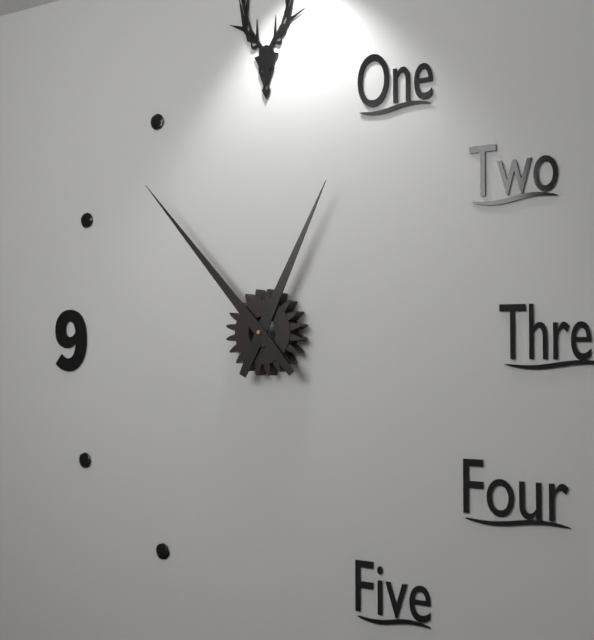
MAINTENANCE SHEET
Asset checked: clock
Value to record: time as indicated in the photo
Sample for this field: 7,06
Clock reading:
12,53
